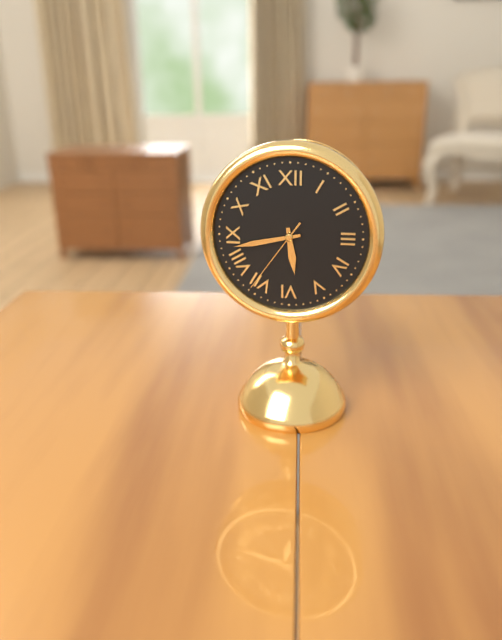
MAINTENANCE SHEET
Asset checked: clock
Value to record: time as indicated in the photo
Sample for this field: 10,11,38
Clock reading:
5,43,36
